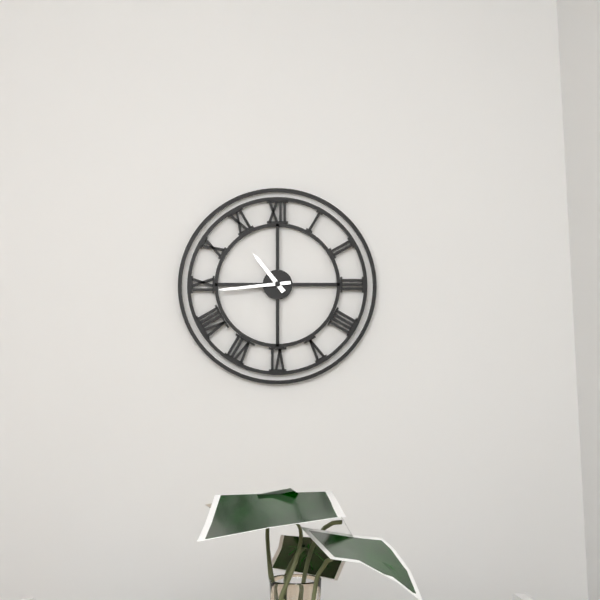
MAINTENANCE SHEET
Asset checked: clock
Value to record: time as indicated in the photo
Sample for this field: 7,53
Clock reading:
10,44
